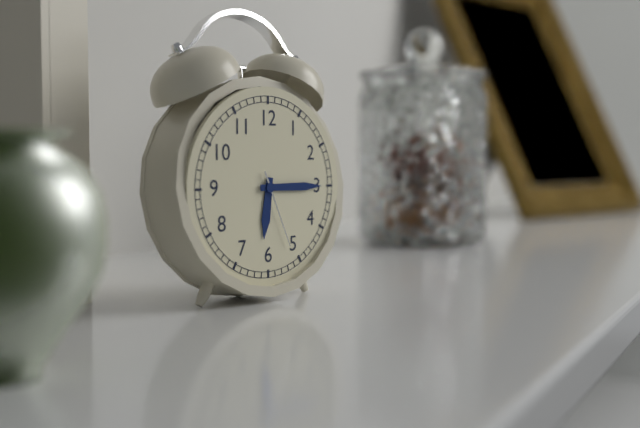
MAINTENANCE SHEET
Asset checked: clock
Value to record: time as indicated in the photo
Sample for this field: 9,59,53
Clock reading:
6,15,26
